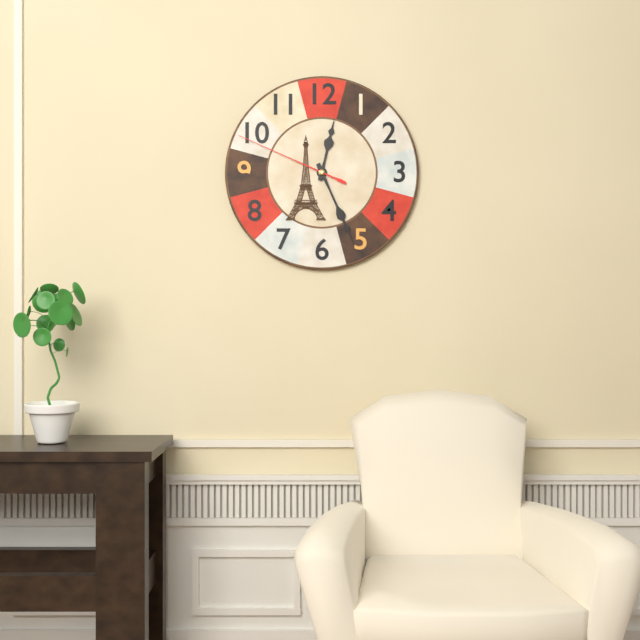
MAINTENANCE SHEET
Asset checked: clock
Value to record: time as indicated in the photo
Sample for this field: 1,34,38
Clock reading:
12,26,49
